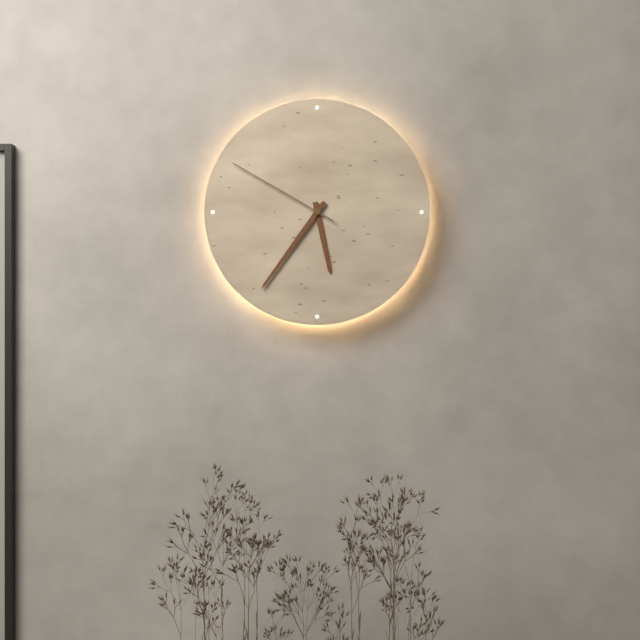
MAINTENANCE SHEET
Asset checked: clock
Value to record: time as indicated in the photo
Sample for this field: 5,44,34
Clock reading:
5,36,50
